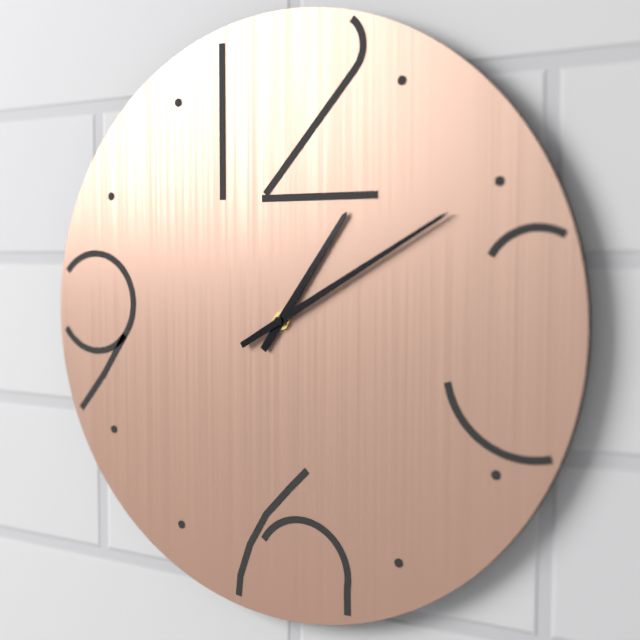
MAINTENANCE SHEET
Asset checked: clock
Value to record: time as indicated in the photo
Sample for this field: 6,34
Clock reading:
1,10
